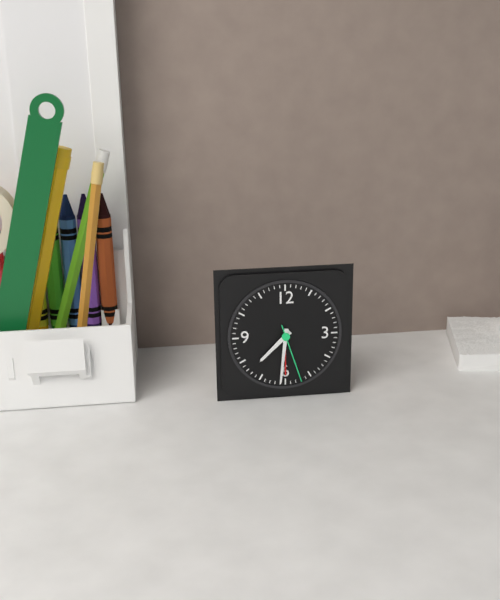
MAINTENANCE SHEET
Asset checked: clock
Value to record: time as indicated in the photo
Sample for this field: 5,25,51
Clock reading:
7,31,27
